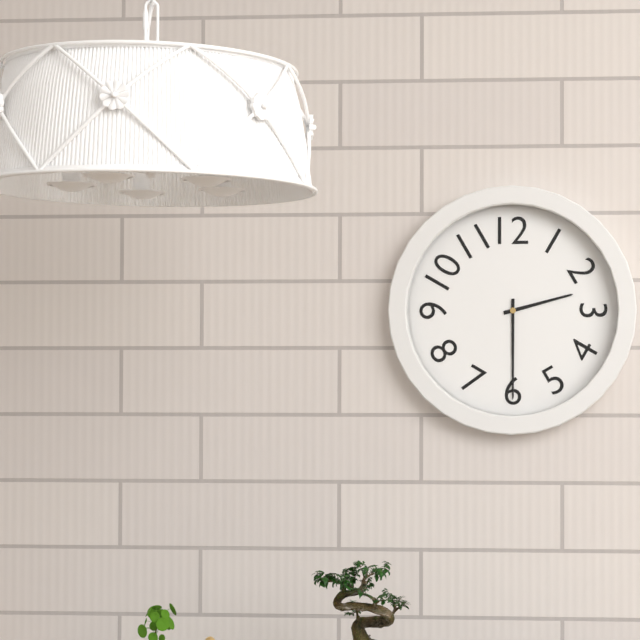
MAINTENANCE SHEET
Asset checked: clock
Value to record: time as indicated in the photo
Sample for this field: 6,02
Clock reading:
2,30
